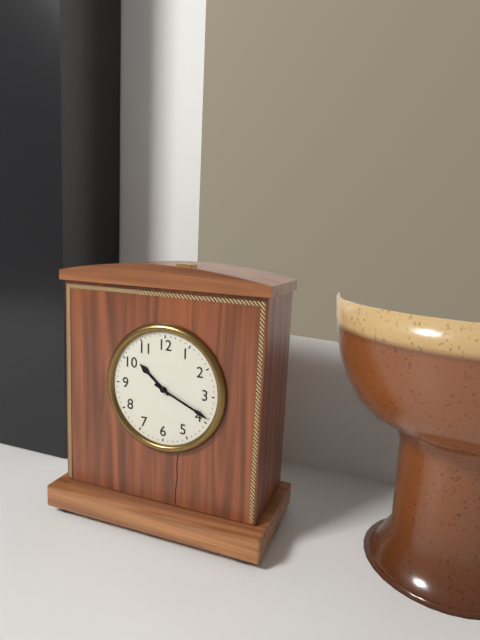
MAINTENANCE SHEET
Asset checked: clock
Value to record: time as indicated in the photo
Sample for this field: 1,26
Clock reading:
10,19
